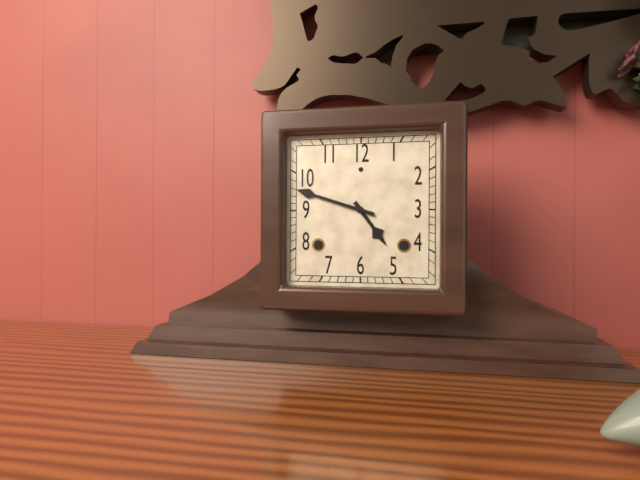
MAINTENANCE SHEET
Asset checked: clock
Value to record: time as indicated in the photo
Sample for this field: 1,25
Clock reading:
4,48
